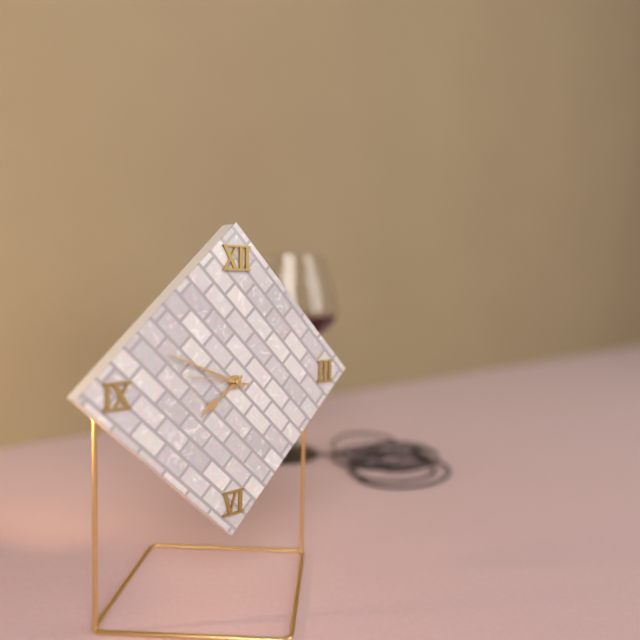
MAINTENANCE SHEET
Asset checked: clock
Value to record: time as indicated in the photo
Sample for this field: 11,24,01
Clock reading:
7,49,47
